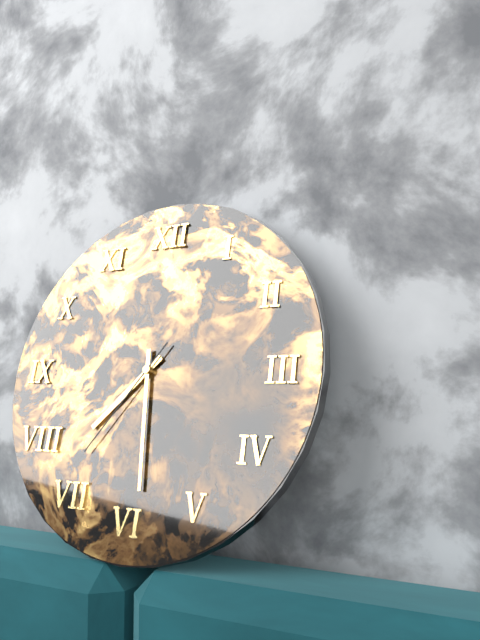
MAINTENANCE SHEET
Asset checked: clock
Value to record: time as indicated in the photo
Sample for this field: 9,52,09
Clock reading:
7,29,36
